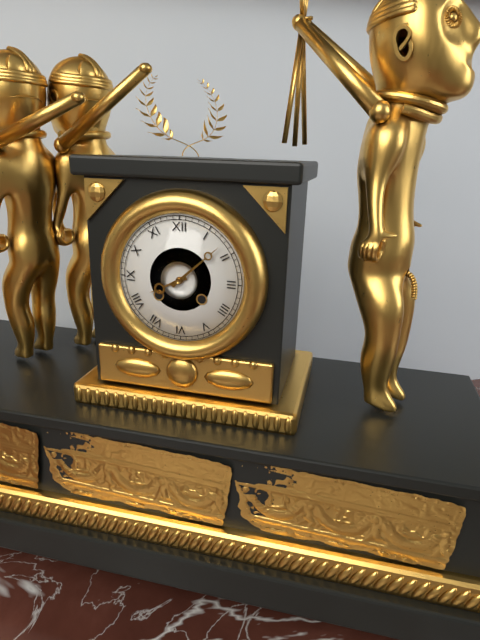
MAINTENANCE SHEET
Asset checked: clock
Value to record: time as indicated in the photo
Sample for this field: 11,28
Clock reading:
8,08
